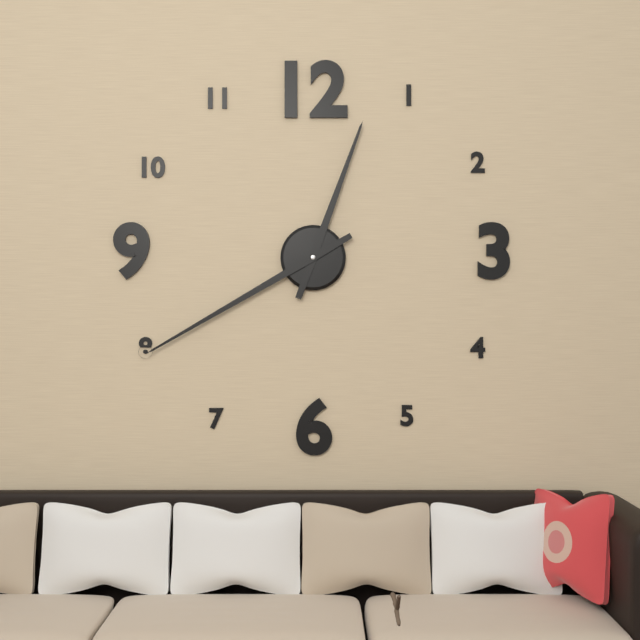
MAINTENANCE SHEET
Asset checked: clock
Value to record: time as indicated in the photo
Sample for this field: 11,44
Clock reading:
12,40
